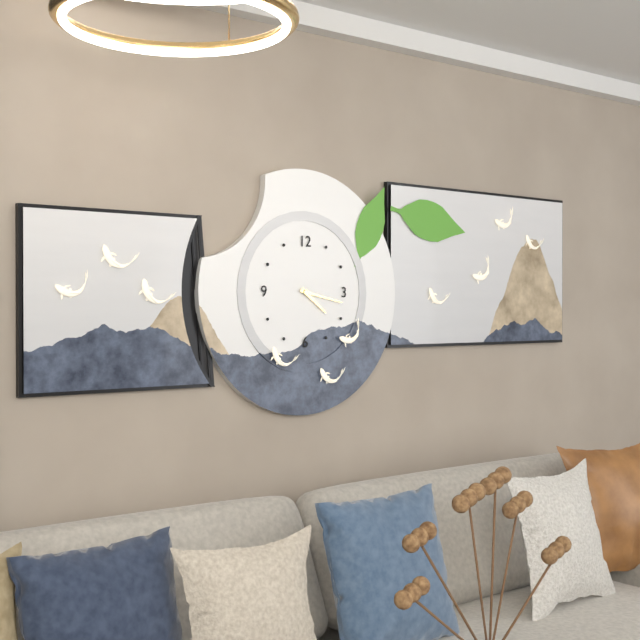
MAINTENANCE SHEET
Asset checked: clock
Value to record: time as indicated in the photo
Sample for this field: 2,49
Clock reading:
4,17
